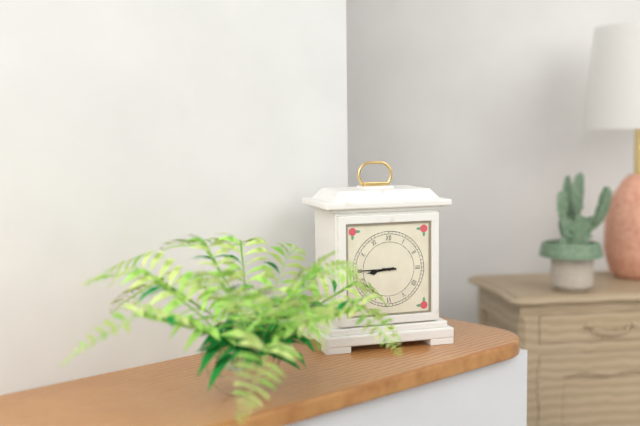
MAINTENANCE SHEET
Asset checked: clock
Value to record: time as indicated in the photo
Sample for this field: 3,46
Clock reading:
8,45
